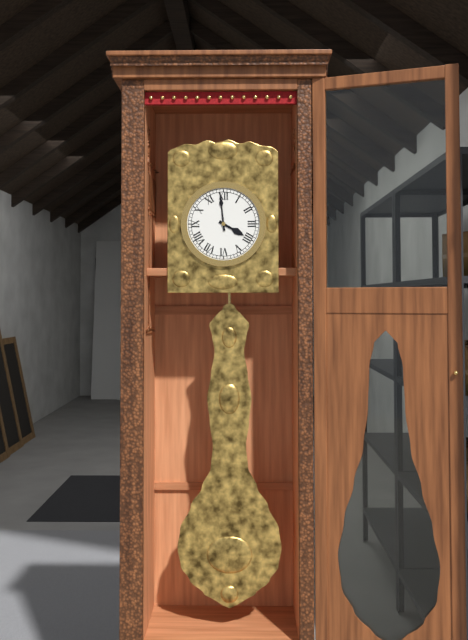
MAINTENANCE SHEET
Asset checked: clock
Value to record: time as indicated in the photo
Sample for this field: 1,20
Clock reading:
3,59
